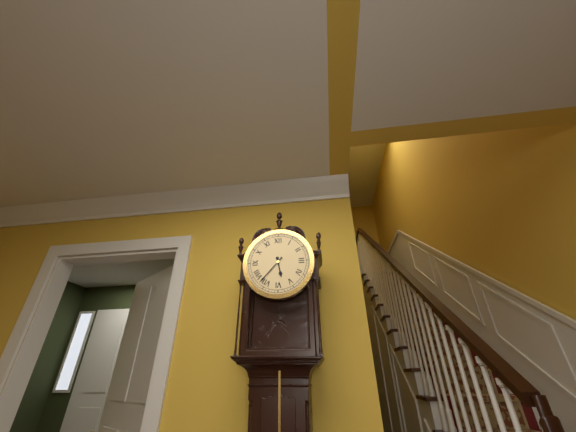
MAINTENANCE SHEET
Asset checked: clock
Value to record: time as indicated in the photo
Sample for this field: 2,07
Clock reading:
5,37
